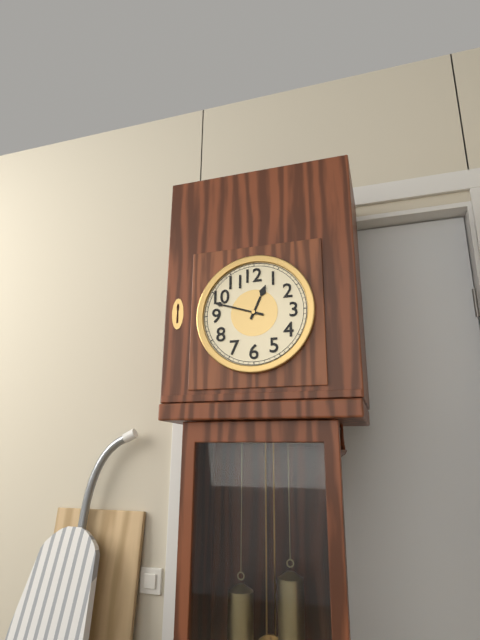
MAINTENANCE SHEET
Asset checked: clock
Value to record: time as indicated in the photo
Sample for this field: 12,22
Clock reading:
12,48
